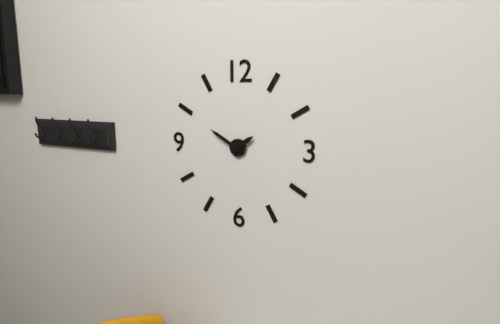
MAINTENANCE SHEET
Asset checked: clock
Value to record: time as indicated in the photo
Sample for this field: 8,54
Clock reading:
1,50
